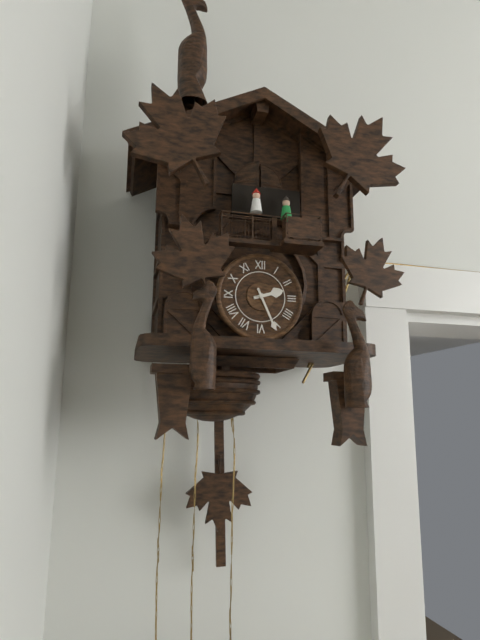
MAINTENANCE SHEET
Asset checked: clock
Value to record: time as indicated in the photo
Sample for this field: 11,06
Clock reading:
2,26
